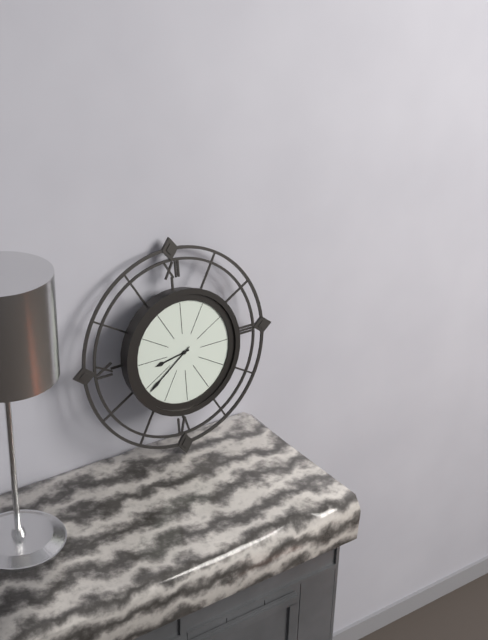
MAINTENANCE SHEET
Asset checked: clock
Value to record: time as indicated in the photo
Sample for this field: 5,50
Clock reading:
8,39
